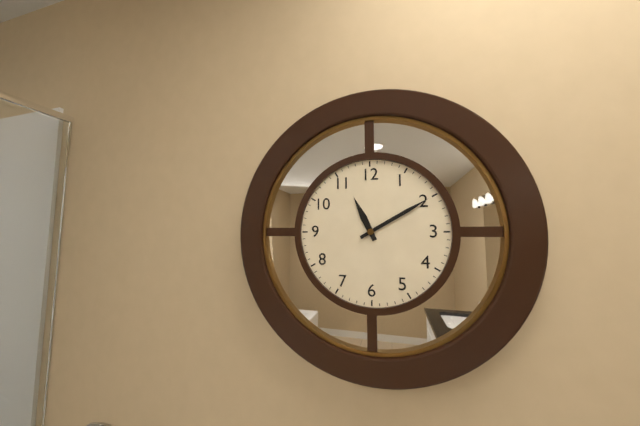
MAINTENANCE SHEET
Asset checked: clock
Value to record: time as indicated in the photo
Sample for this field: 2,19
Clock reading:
11,10
